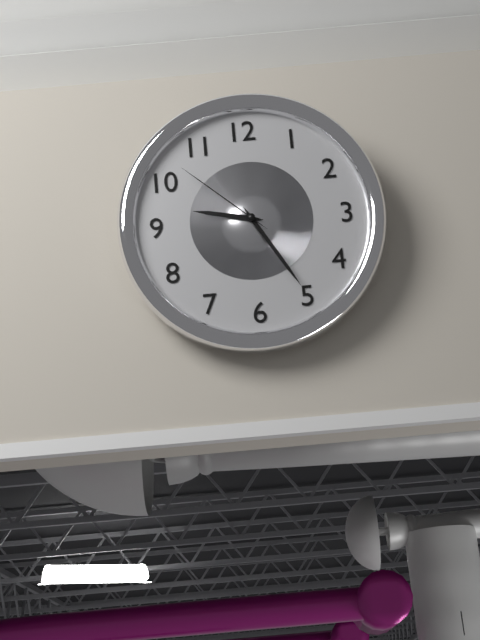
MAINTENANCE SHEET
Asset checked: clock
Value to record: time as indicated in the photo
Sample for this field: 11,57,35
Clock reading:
9,25,52
